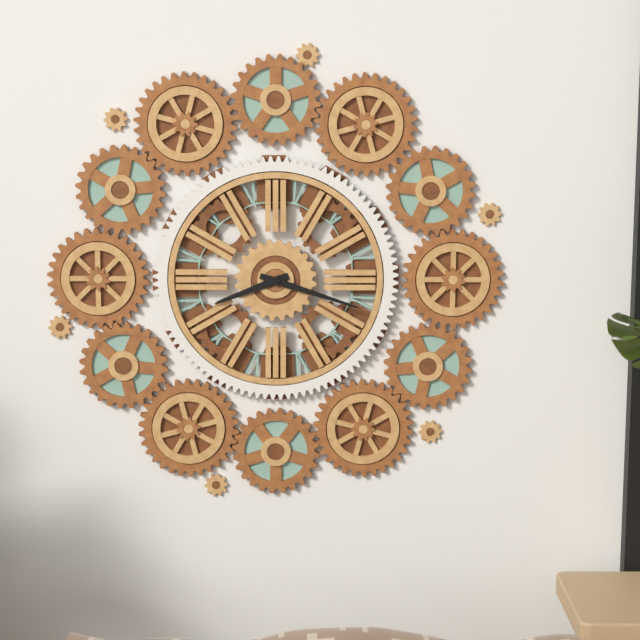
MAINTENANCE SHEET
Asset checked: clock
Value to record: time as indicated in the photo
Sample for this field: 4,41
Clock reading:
8,18
